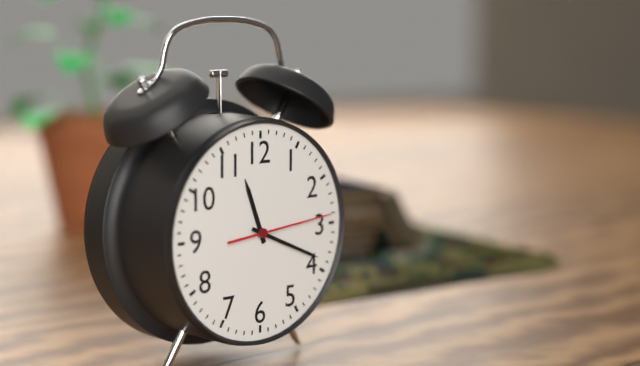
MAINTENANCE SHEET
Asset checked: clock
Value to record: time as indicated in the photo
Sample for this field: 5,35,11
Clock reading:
11,19,14
